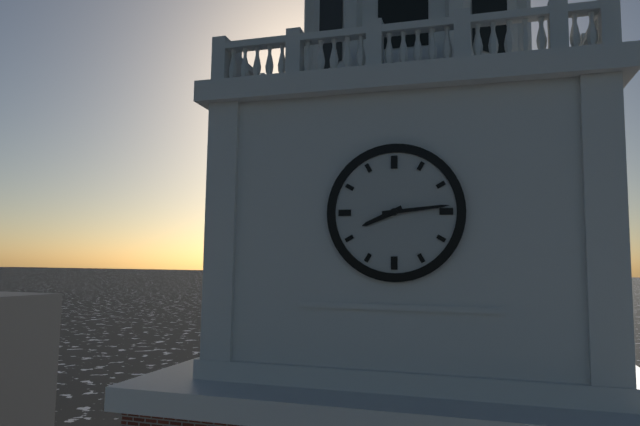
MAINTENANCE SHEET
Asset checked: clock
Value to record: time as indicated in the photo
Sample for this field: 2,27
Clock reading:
8,14
